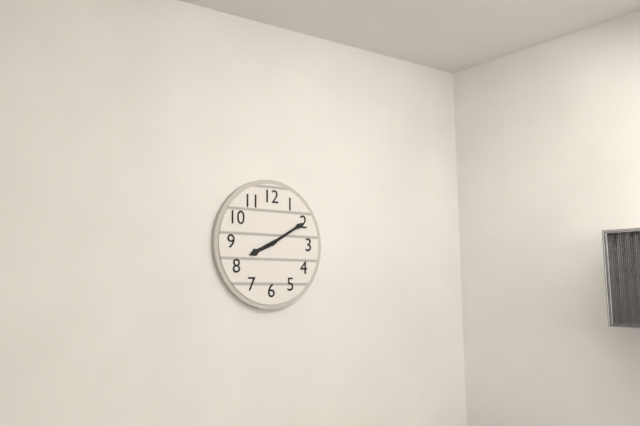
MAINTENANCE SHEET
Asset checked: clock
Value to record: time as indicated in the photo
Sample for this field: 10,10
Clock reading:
8,10
